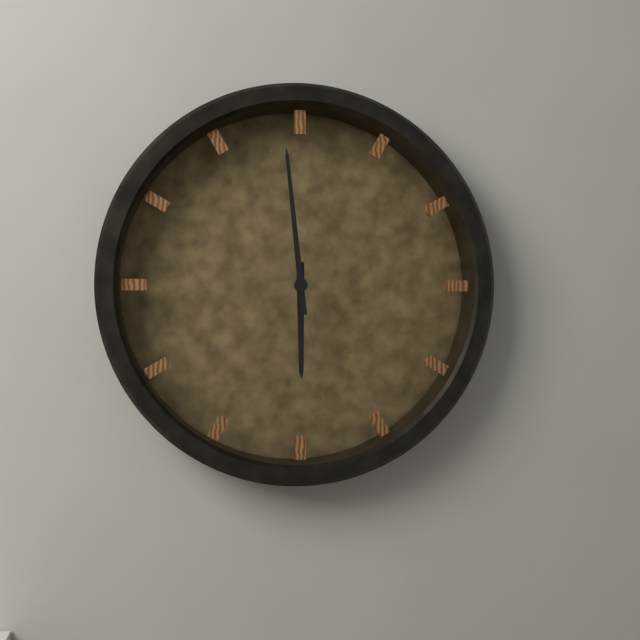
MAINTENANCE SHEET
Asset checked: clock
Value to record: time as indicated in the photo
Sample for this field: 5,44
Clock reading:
5,59
